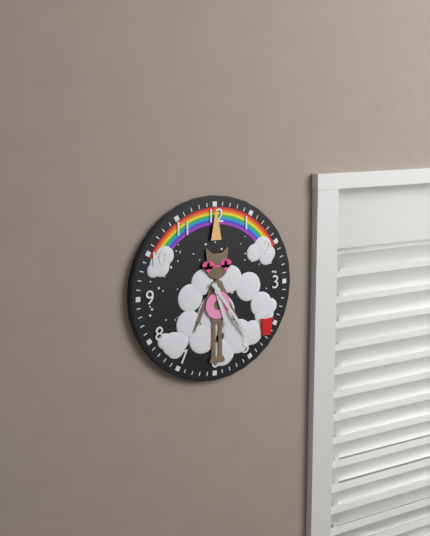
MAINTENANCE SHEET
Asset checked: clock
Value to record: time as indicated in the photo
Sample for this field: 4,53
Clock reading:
5,24
